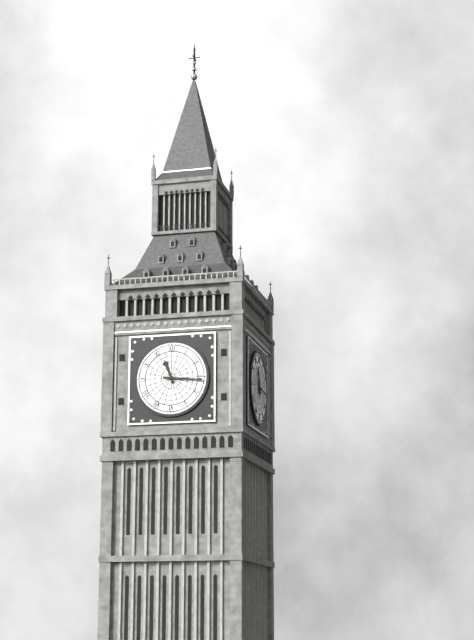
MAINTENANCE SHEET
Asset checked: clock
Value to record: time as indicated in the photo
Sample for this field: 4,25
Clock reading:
11,16
